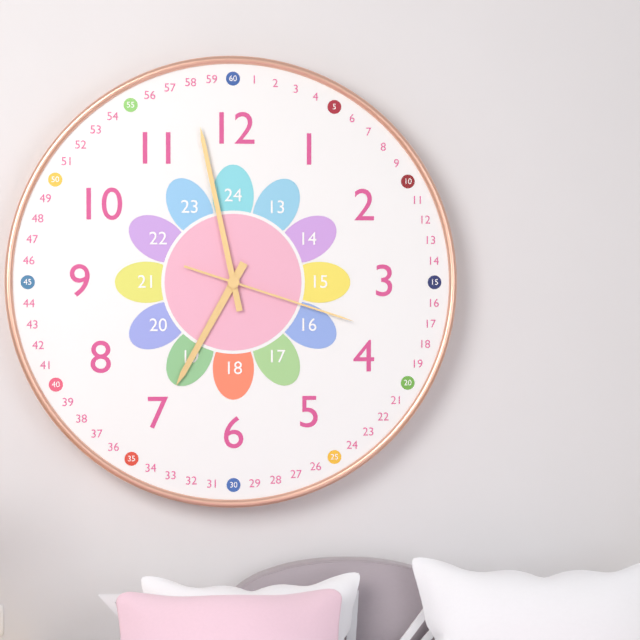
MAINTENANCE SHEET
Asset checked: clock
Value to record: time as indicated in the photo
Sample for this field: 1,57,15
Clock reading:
6,58,18
